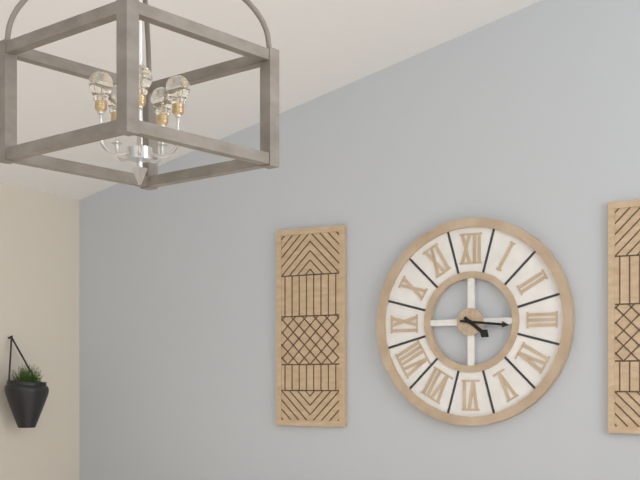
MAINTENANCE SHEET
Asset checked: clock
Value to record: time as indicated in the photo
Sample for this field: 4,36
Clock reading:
4,16
